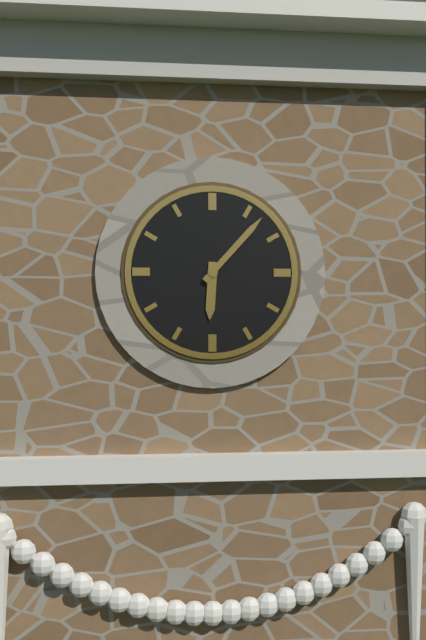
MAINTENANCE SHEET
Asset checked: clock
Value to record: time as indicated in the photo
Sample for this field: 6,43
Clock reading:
6,07
